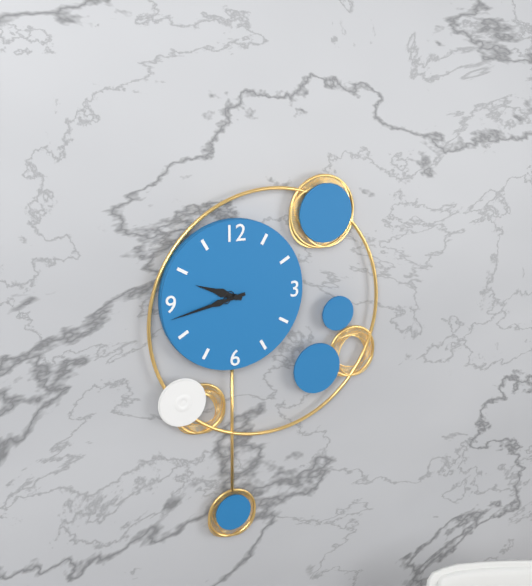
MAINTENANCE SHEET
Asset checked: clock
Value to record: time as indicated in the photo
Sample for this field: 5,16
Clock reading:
9,43
